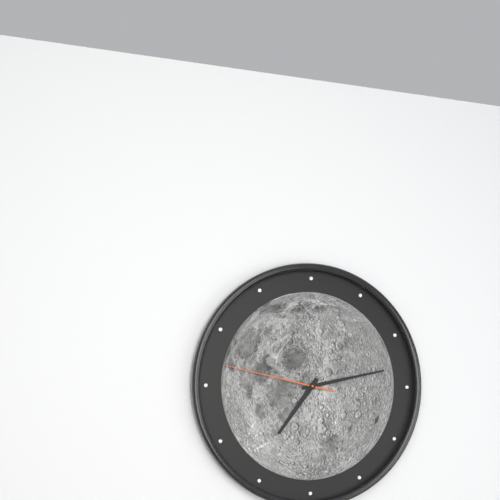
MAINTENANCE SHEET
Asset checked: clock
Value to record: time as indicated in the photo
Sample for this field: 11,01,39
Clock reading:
7,13,47
